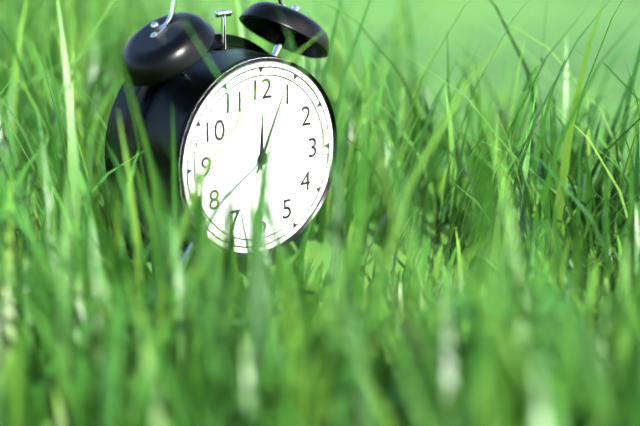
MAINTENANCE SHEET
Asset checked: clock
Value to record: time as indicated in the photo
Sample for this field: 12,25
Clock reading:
12,04
